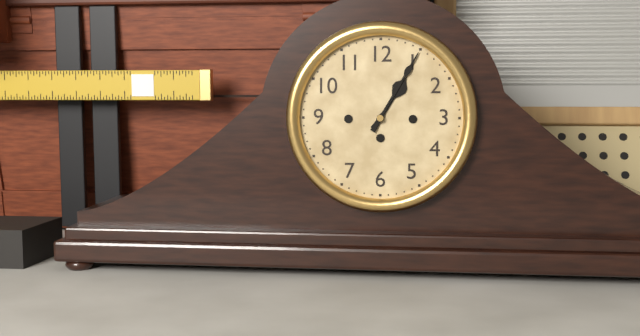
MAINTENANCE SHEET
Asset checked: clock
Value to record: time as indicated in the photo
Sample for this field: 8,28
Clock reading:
1,05
